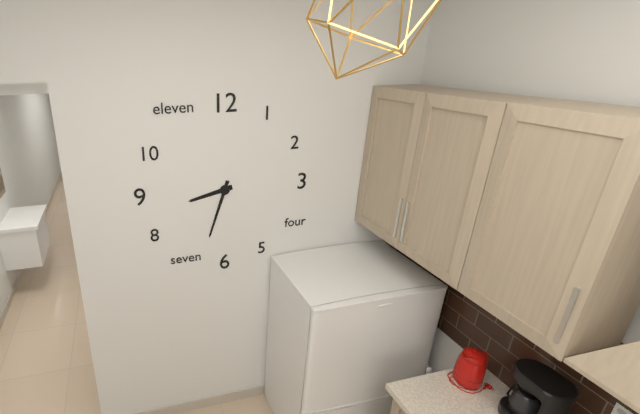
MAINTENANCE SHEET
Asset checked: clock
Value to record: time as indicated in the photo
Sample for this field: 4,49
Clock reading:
8,33
